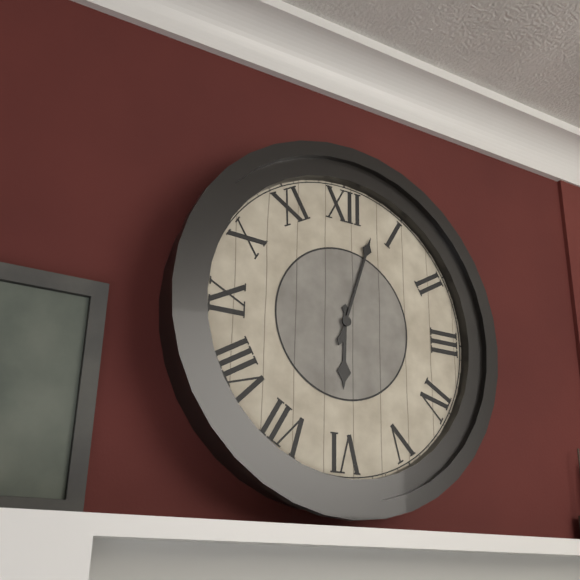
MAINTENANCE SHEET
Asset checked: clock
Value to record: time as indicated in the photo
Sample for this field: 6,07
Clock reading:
6,03
